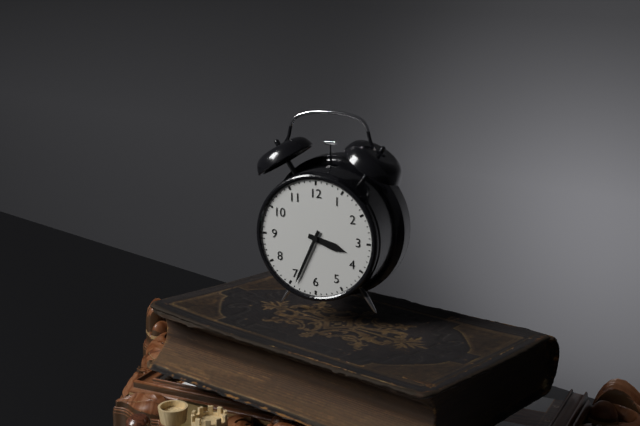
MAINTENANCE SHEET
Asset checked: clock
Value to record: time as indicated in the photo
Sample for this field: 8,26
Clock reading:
3,34
